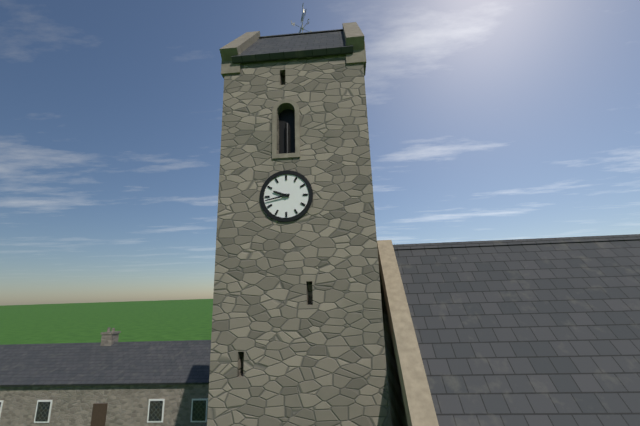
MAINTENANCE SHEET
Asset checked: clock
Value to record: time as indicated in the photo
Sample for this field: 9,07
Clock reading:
9,43
